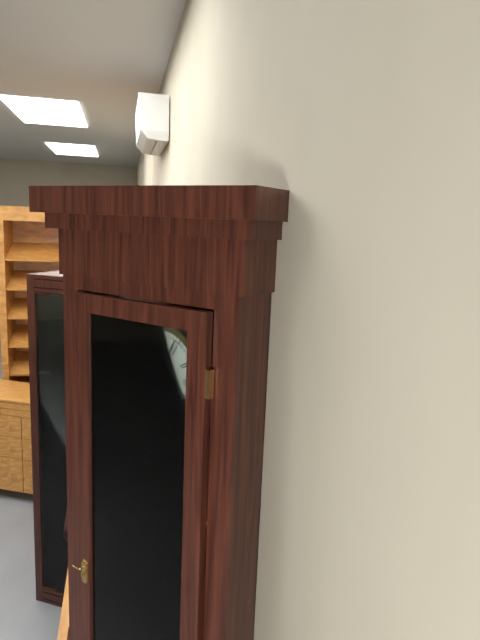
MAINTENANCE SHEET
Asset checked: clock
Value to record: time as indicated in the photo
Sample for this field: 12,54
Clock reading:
11,04
